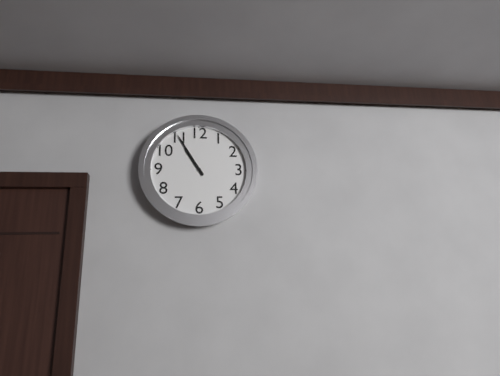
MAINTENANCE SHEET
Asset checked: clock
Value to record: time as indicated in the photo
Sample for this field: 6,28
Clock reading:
10,55
